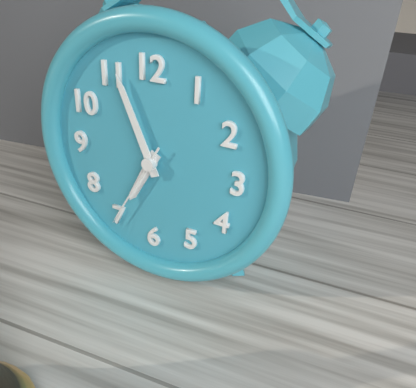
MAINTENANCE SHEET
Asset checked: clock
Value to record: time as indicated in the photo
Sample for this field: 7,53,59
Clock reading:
6,56,35
